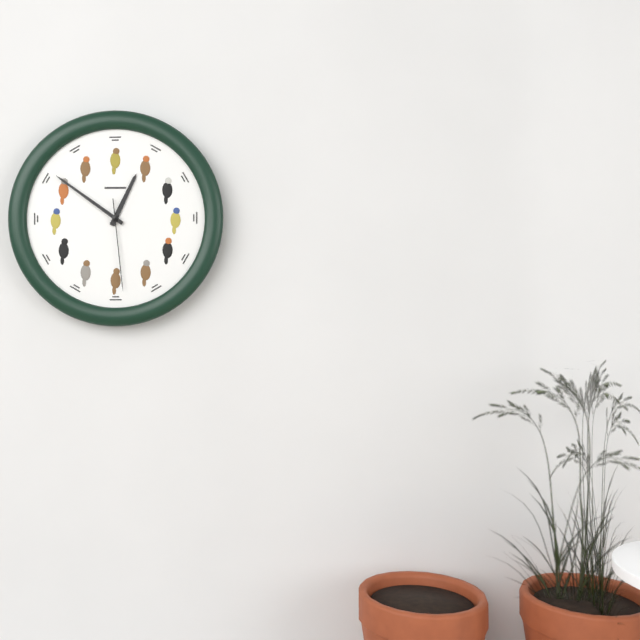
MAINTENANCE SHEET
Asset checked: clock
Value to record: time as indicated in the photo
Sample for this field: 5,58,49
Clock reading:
12,51,29
